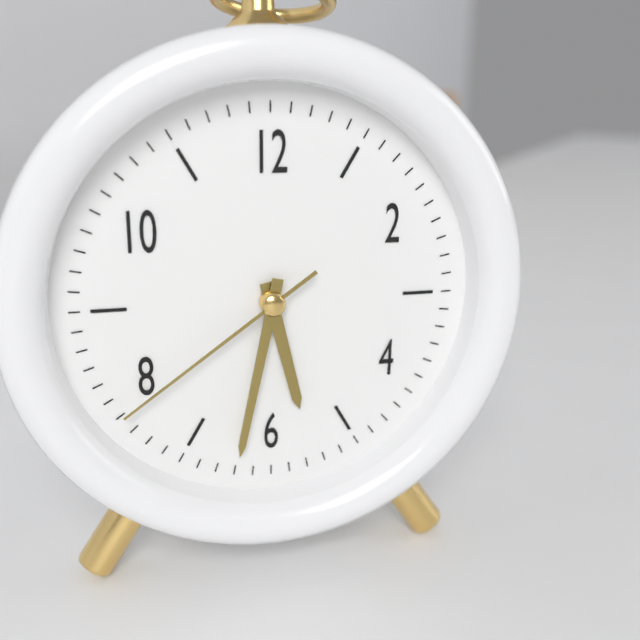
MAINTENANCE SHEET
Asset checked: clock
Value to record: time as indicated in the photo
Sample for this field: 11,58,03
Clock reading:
5,32,39
